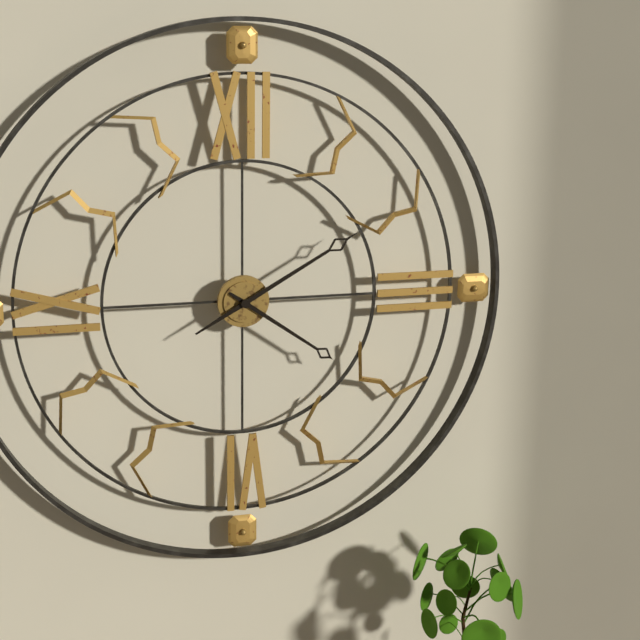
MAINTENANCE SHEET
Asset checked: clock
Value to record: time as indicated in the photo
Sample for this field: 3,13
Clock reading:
4,10
